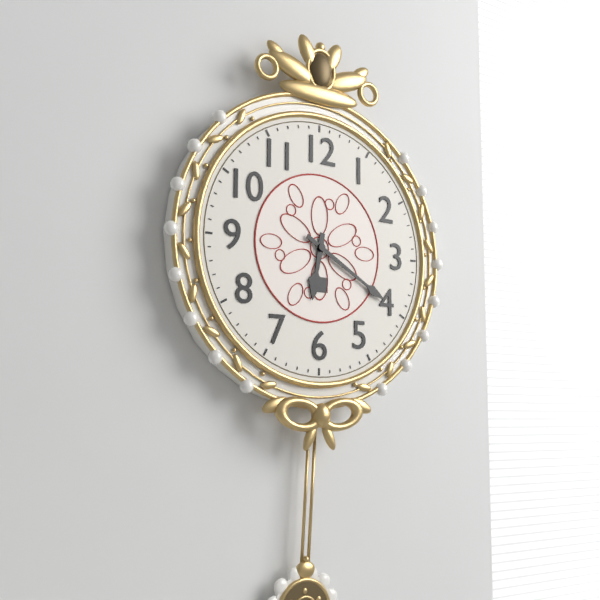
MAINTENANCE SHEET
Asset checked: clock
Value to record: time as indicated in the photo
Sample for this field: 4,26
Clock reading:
6,20
